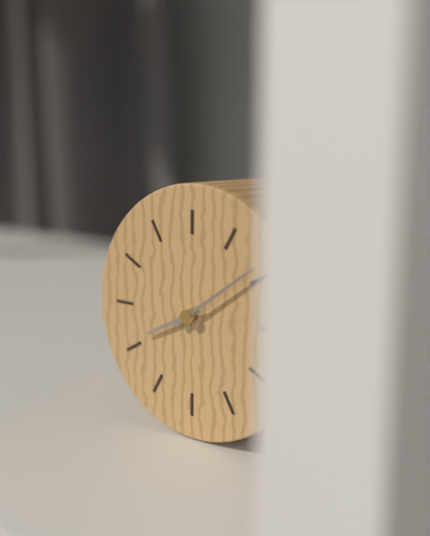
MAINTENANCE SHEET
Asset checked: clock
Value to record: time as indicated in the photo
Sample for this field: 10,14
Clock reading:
8,09
